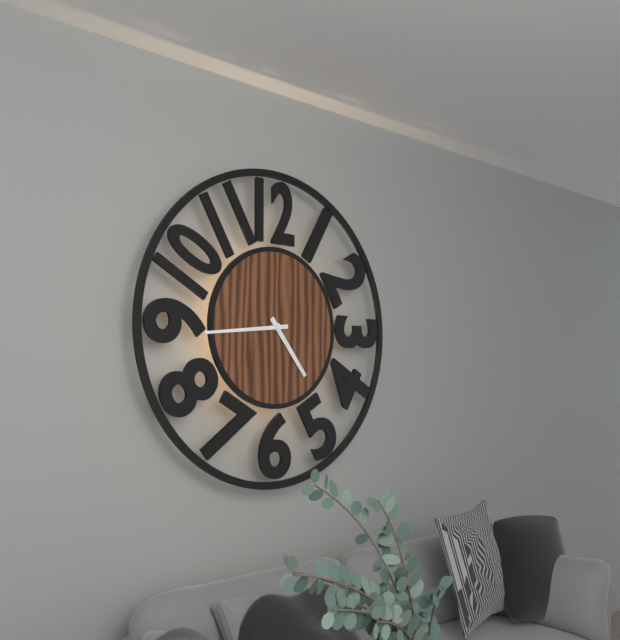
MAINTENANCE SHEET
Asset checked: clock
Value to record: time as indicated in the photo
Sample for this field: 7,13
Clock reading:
4,44
